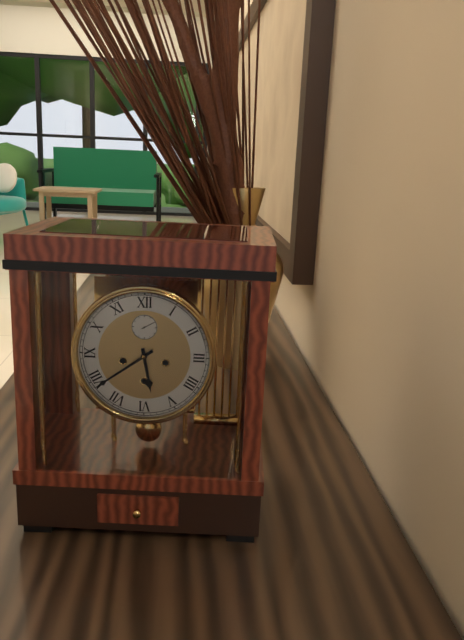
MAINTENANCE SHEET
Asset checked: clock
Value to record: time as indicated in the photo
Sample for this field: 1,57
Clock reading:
5,39
